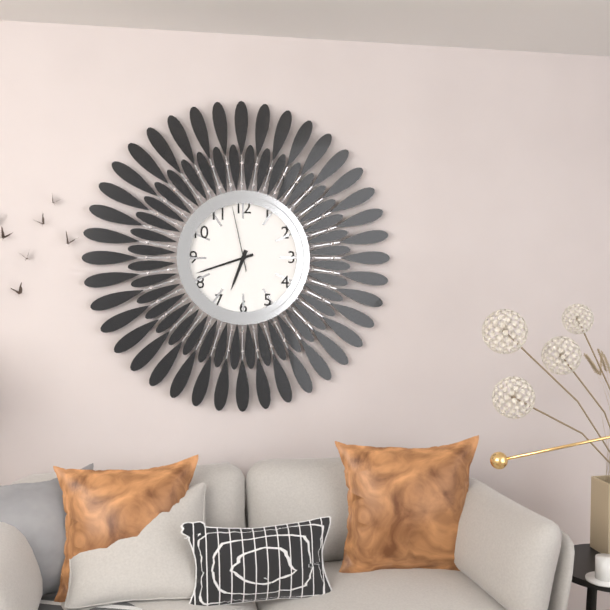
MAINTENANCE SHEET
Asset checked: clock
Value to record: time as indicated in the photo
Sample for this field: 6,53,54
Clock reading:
6,42,58
